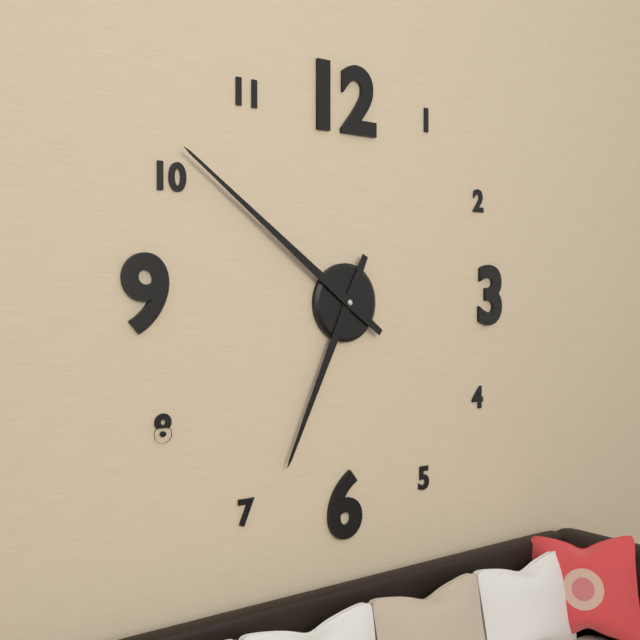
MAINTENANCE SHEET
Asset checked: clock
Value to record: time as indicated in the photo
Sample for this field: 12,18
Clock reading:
6,51
